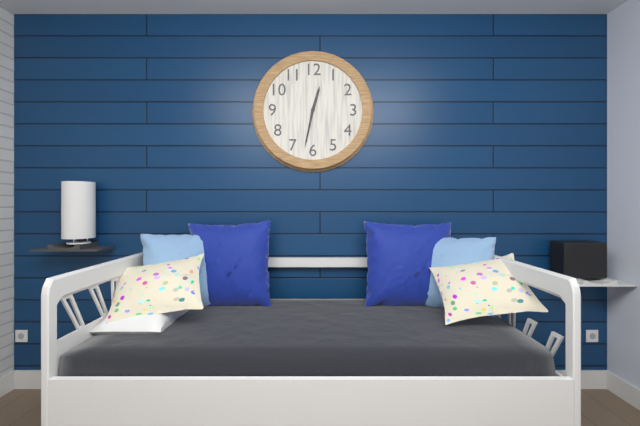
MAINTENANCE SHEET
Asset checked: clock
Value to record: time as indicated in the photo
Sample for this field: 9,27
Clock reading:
12,32
